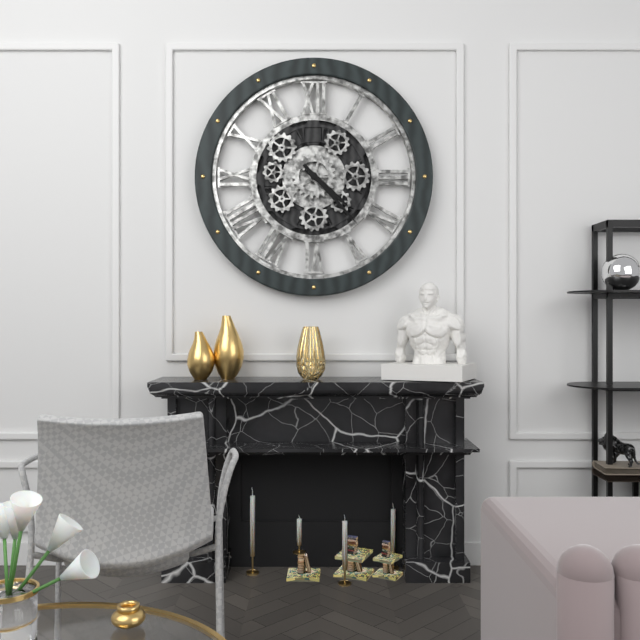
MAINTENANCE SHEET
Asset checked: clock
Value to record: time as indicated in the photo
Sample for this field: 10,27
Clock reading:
4,23
